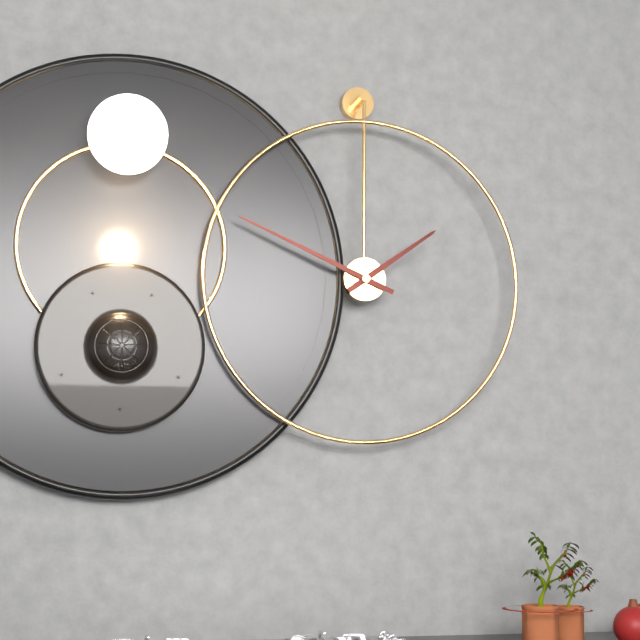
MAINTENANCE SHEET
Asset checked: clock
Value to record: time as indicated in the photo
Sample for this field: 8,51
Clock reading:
1,49
